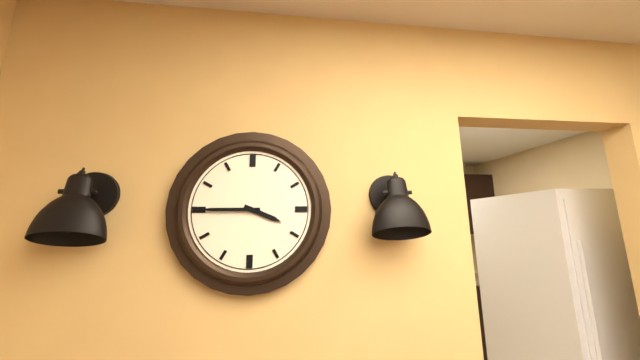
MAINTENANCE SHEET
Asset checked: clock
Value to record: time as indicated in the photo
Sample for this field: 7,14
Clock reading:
3,45
